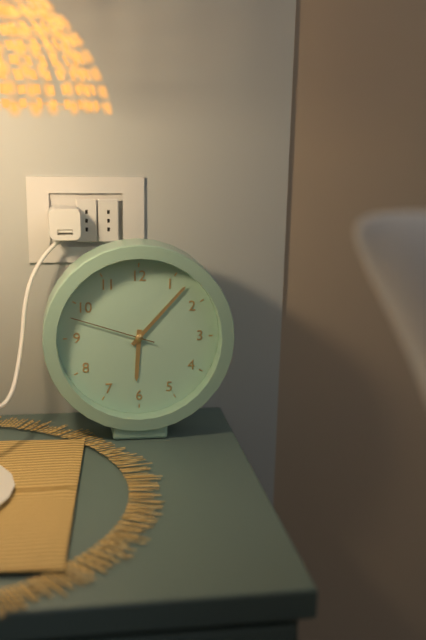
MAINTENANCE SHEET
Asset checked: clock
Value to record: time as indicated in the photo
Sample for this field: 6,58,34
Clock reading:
6,07,48
